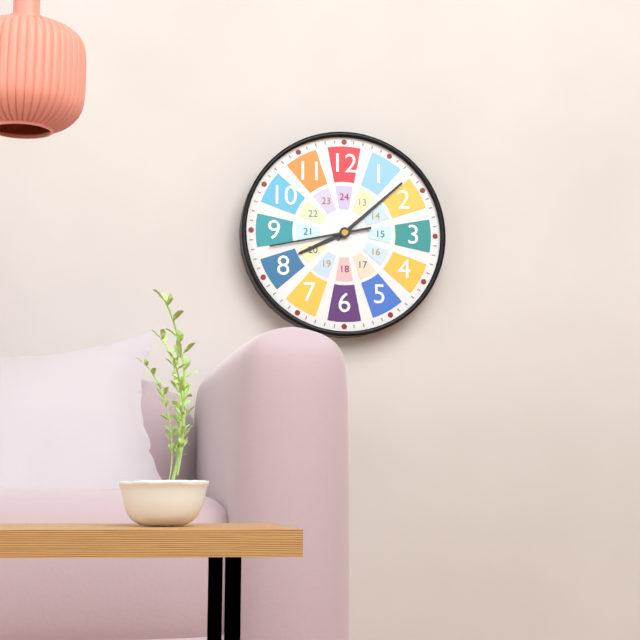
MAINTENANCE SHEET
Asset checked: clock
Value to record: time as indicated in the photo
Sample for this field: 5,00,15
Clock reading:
8,08,43
